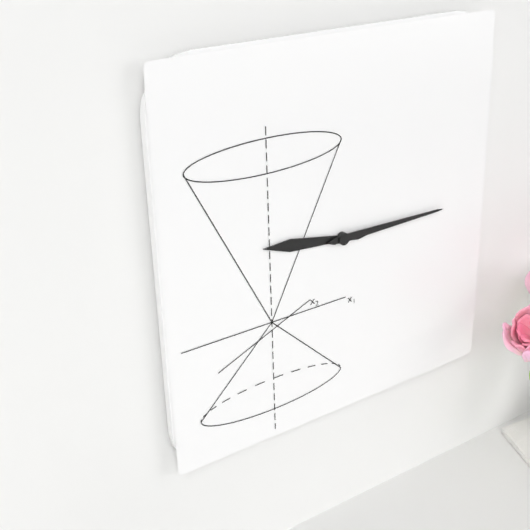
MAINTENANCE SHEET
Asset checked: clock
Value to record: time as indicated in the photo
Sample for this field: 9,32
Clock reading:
9,15
